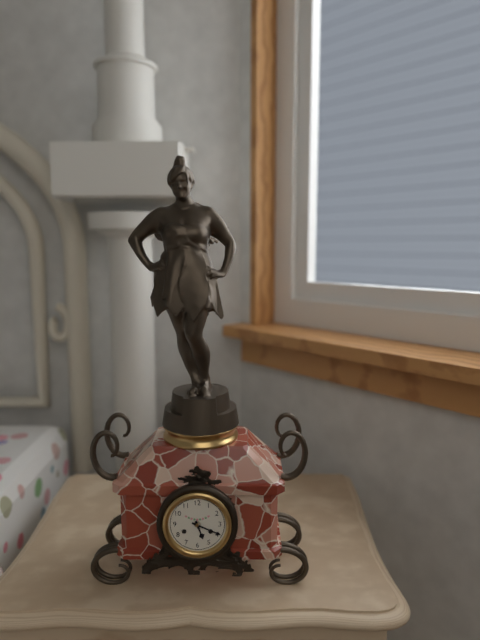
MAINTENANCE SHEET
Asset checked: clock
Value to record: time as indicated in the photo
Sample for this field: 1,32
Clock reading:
5,19
